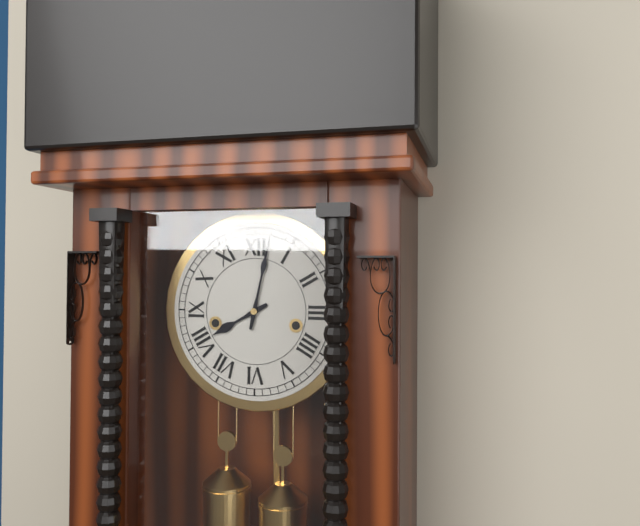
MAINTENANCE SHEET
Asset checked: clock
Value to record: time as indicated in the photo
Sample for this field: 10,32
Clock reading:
8,02
